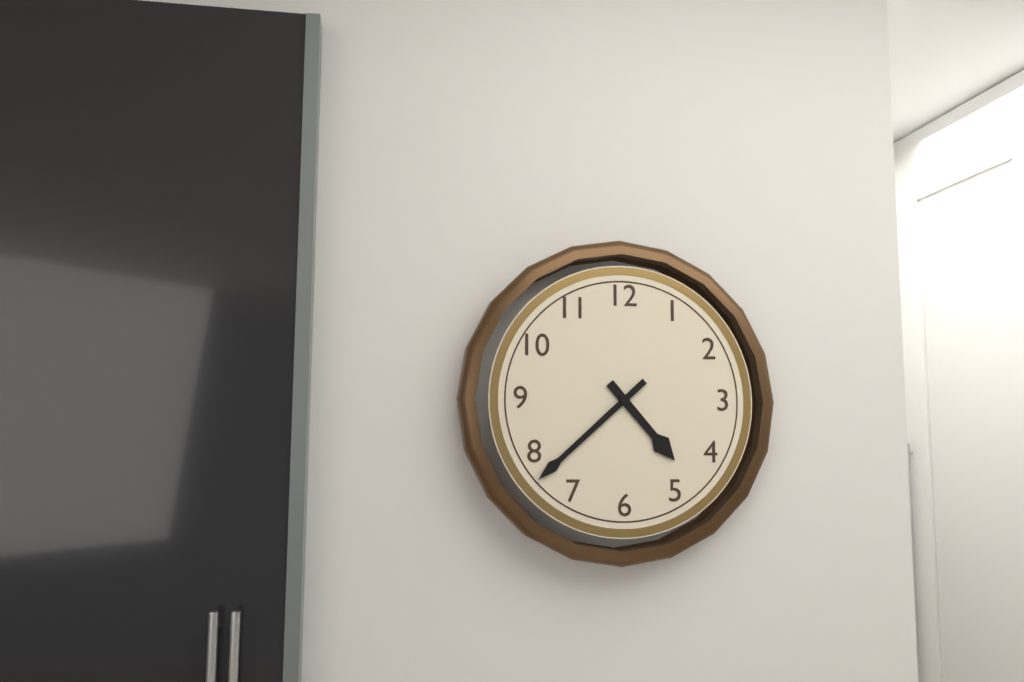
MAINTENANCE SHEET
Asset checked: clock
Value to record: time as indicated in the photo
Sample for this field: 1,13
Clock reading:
4,38
